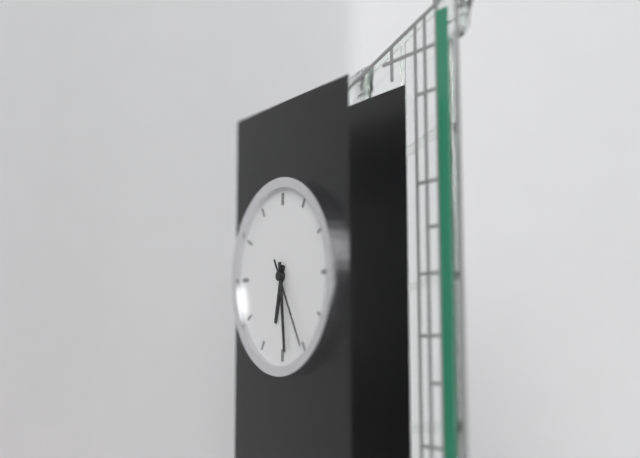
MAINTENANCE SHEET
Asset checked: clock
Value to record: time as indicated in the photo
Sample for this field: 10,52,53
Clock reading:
6,29,25
